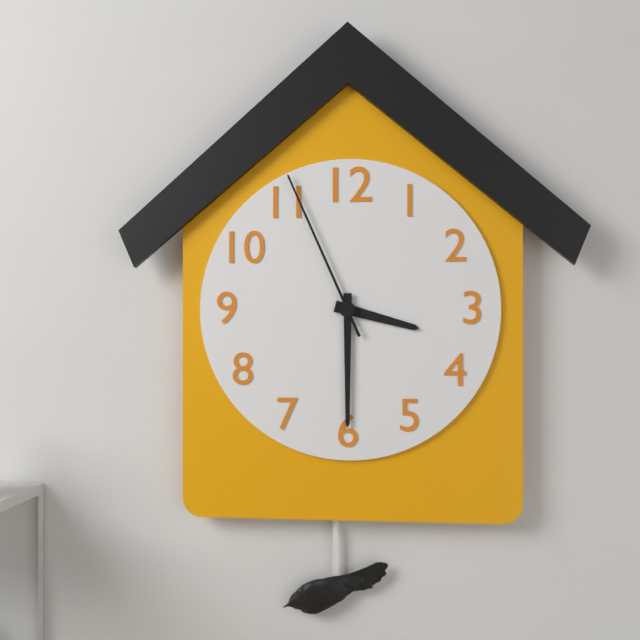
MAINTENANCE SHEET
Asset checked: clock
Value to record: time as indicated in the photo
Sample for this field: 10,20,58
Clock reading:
3,30,56
